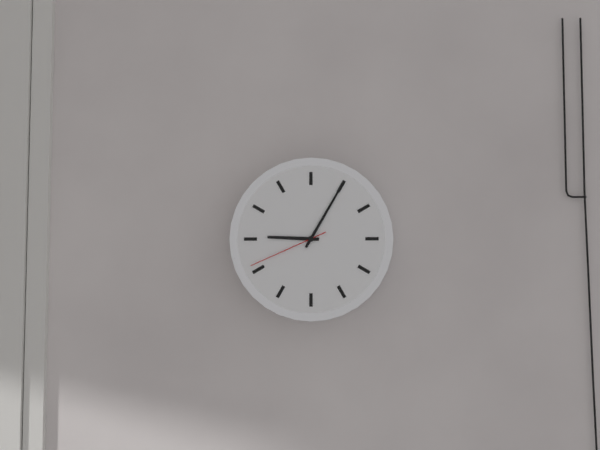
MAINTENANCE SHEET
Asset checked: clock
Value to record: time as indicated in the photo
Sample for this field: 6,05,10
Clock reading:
9,05,41
